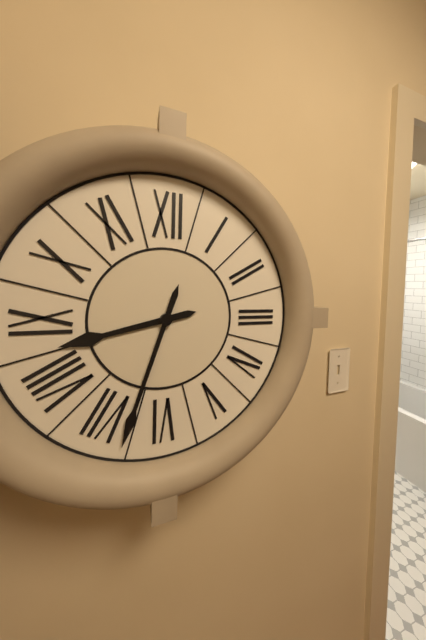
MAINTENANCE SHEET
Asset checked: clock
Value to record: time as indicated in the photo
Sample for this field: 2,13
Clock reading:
8,33
